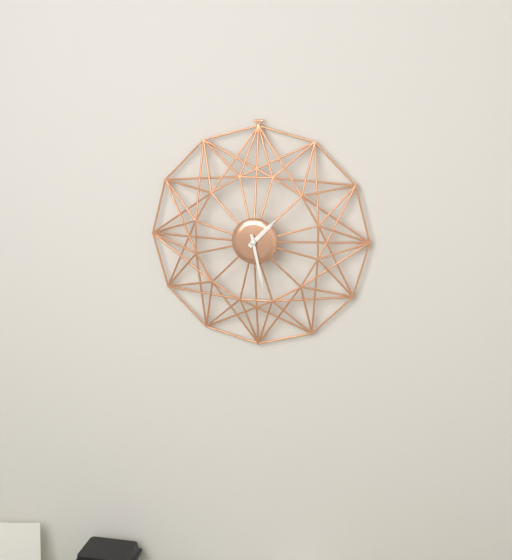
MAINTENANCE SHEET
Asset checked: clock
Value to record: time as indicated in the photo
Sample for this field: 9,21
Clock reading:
1,28
